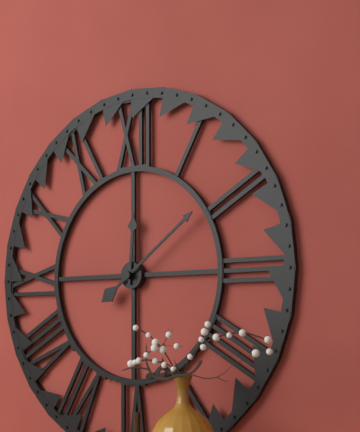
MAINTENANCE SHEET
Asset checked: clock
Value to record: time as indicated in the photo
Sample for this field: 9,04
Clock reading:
12,09
